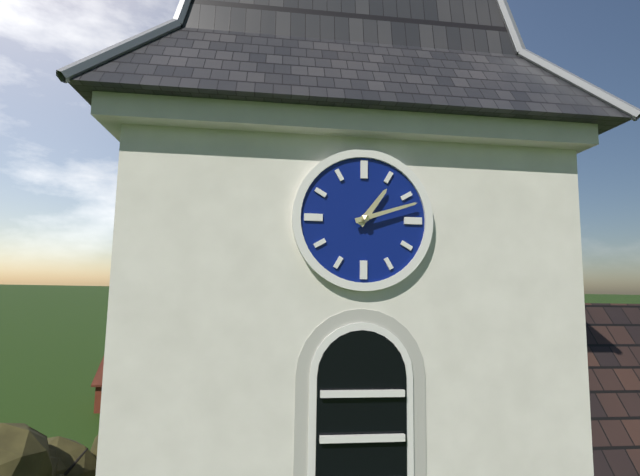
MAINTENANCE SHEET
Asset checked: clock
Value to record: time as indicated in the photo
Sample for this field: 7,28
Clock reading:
1,12
